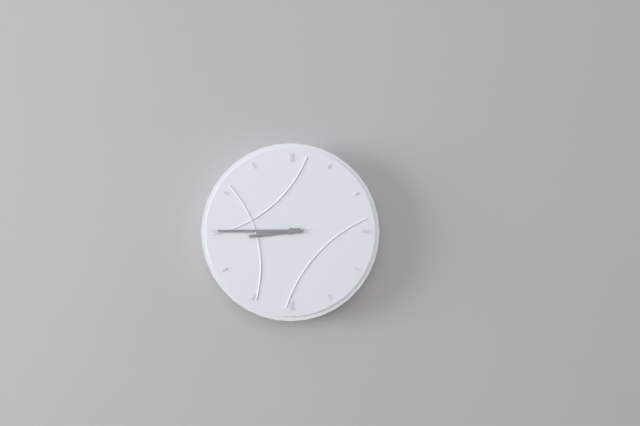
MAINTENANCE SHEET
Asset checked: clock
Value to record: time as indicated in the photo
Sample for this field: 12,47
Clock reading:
8,45
